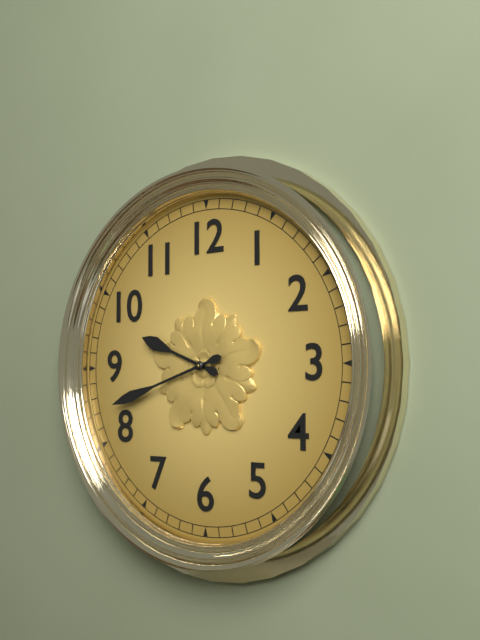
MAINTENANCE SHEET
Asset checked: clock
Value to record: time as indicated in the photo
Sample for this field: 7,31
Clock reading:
9,42
